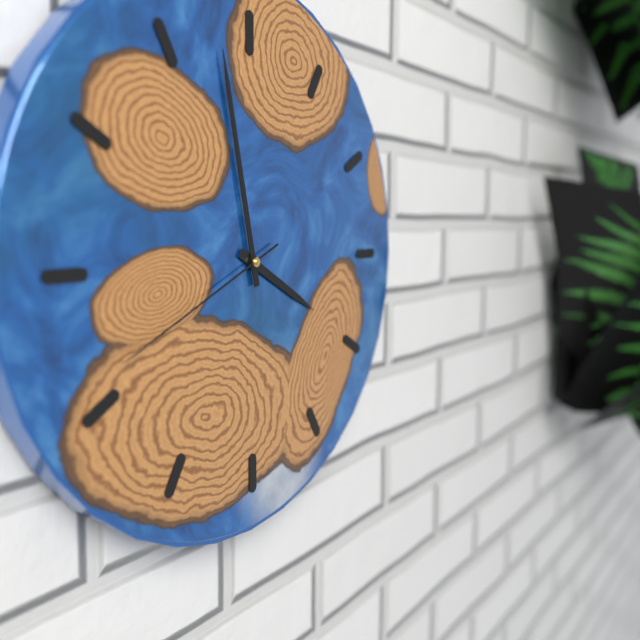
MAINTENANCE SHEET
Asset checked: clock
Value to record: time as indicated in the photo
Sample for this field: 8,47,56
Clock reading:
3,58,41
